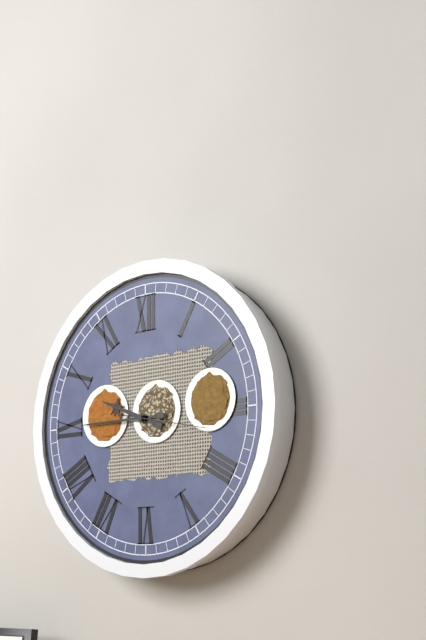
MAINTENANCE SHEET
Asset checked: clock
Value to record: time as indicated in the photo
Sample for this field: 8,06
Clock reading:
9,45
